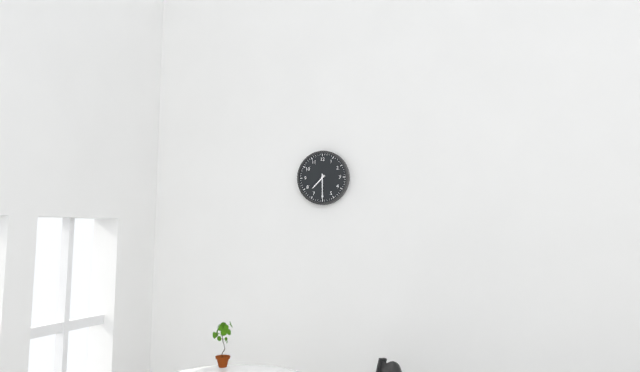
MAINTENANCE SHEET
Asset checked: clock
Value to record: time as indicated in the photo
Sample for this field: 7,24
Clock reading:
7,30
